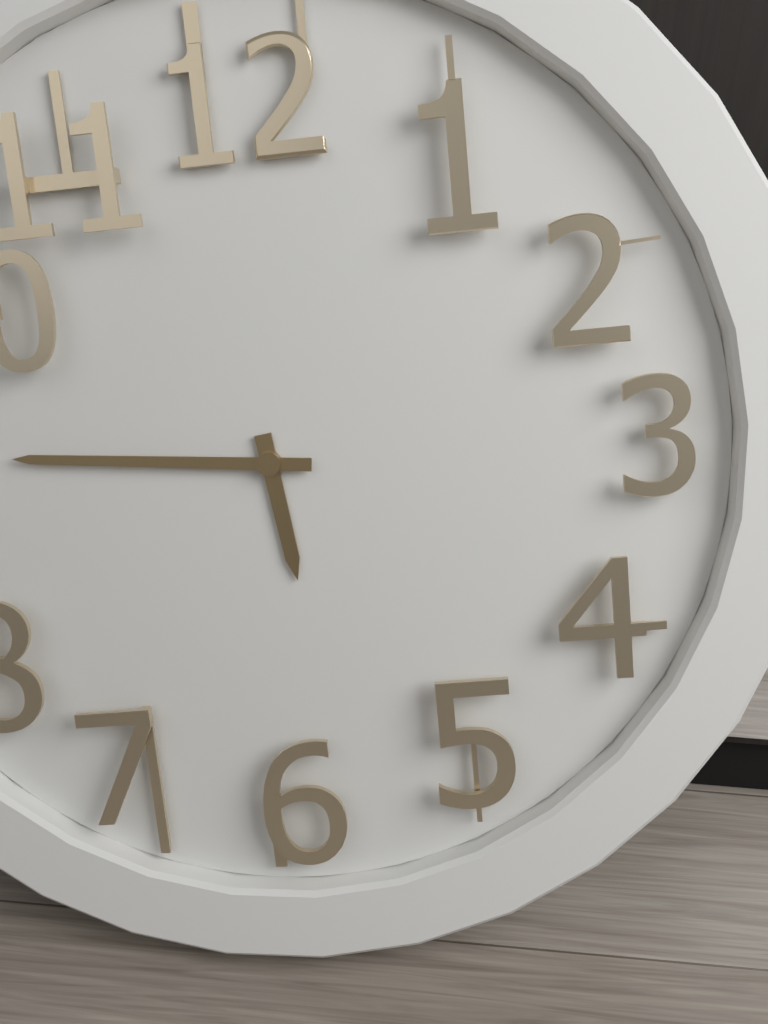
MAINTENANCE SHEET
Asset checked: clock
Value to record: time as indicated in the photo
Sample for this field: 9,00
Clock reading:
5,46
